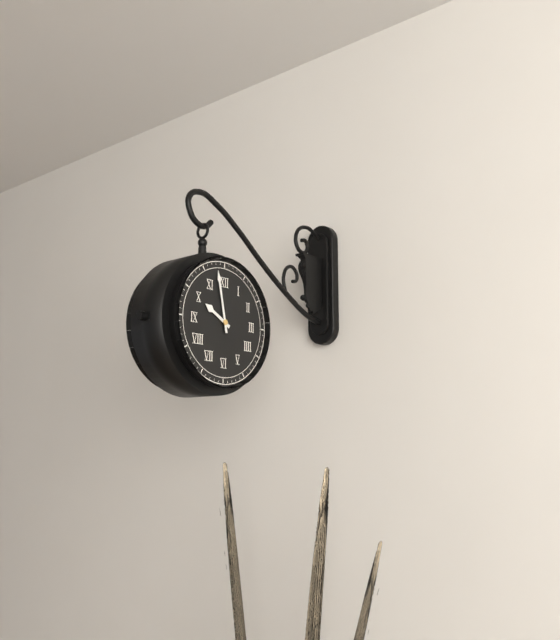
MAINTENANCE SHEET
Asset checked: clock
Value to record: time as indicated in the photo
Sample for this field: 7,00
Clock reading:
9,58
